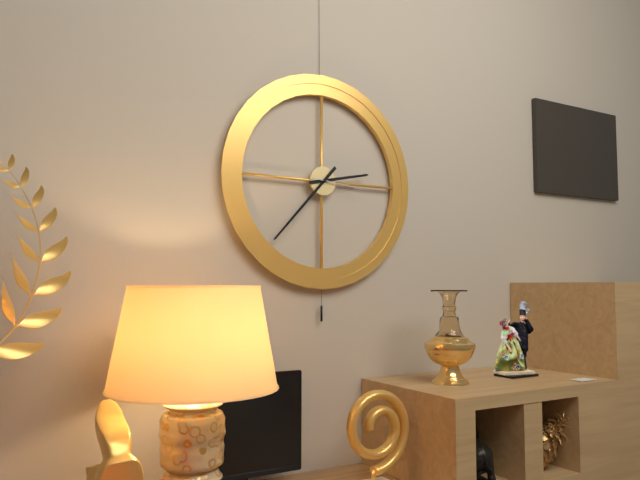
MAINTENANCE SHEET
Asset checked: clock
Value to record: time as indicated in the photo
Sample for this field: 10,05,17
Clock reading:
2,37,16
